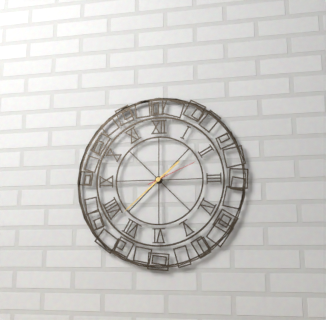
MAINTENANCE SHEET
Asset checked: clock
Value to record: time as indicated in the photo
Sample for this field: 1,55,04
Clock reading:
1,38,11
